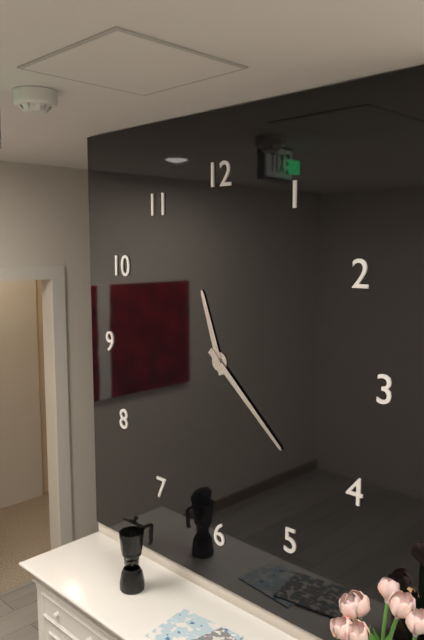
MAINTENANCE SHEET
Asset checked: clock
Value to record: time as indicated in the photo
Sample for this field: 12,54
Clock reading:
11,22
